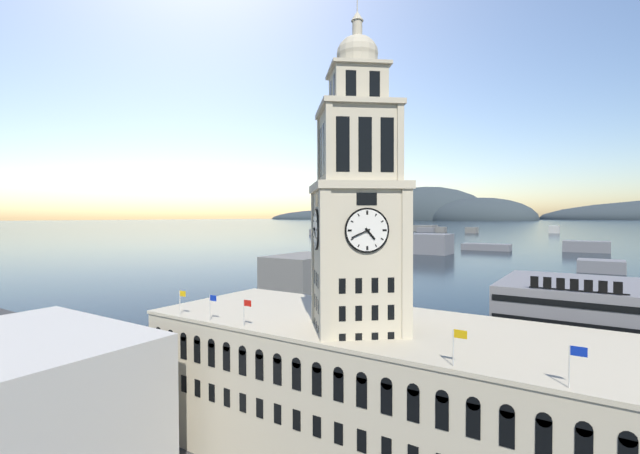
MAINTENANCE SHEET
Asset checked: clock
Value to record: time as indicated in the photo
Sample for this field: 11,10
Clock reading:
4,41
